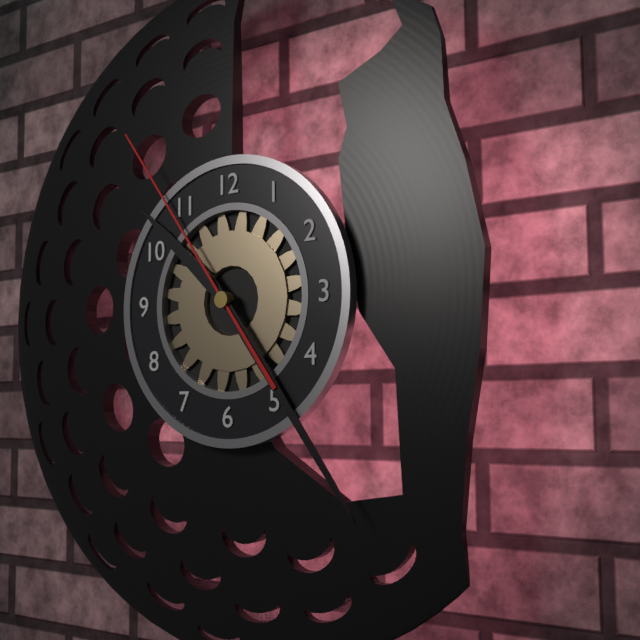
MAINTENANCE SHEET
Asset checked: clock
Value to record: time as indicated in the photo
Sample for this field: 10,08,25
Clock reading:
10,24,54
